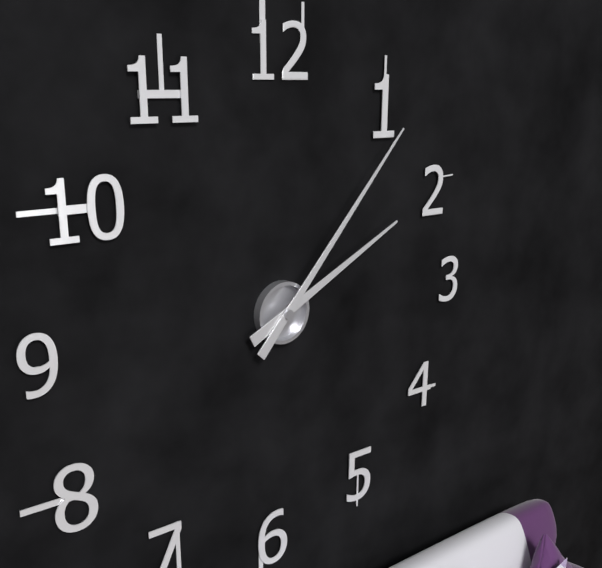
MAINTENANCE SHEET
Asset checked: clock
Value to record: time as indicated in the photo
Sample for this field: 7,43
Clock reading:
2,07
